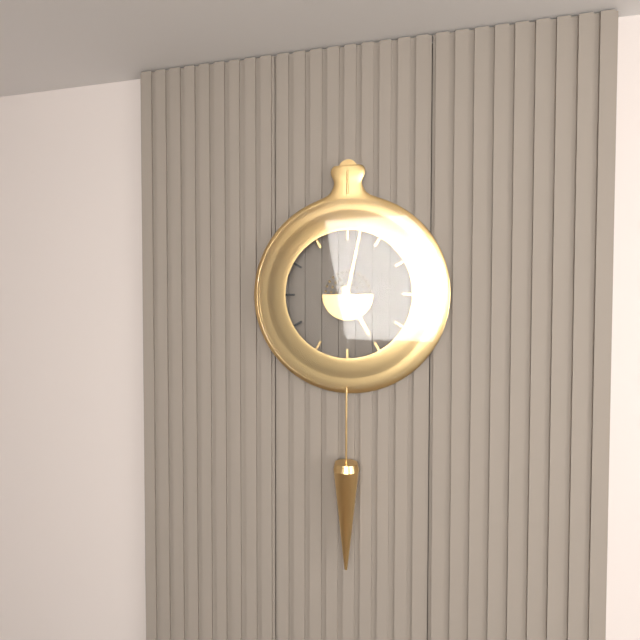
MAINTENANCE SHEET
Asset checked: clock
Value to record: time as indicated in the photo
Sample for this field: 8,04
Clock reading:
5,02
